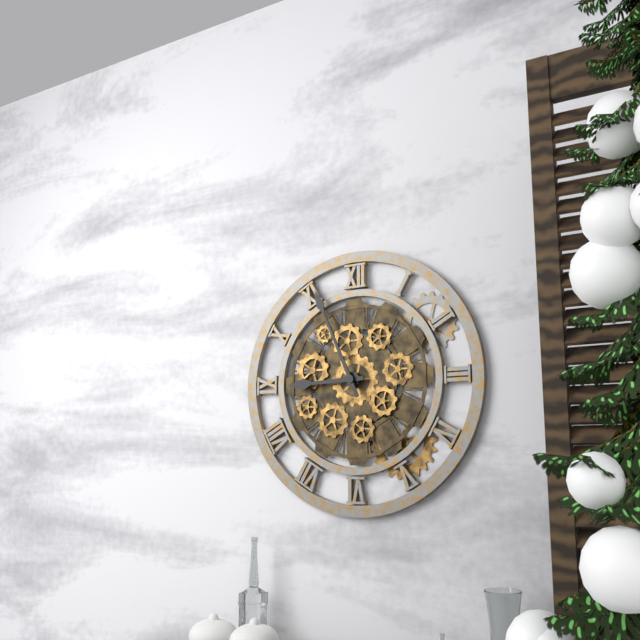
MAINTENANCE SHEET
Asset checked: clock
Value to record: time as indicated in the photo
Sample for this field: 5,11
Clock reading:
8,56
